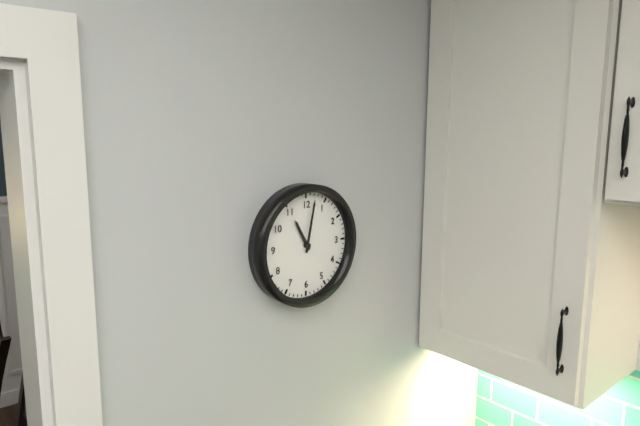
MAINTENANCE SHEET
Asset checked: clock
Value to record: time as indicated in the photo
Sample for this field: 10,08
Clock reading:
11,02
